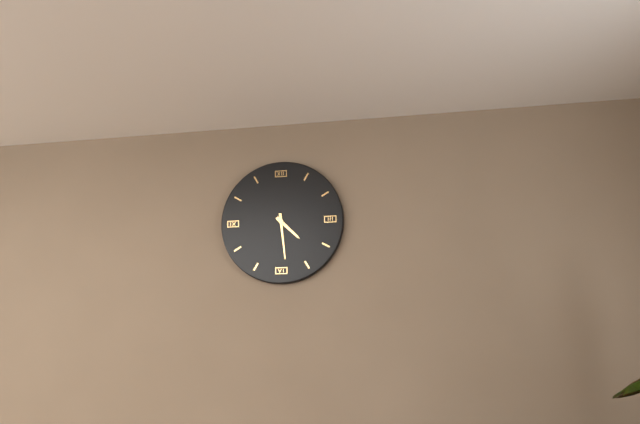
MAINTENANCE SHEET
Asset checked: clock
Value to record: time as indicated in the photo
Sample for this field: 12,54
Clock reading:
4,29
